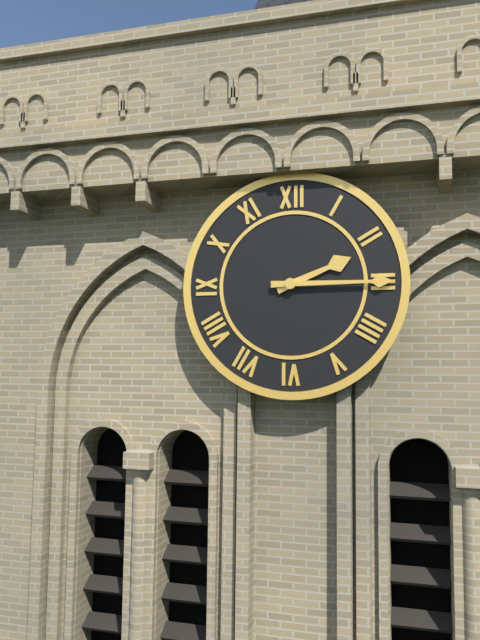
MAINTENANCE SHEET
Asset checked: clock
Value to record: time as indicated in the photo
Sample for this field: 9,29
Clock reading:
2,15
